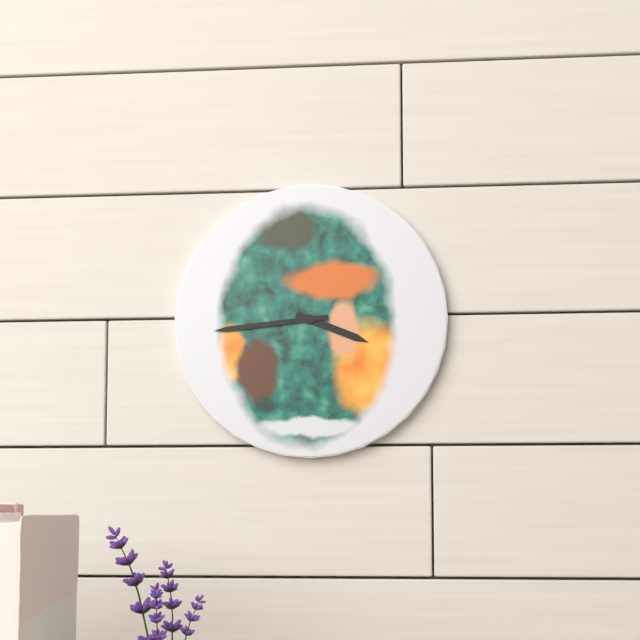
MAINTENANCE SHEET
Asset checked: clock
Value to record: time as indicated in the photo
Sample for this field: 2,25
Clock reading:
3,44
